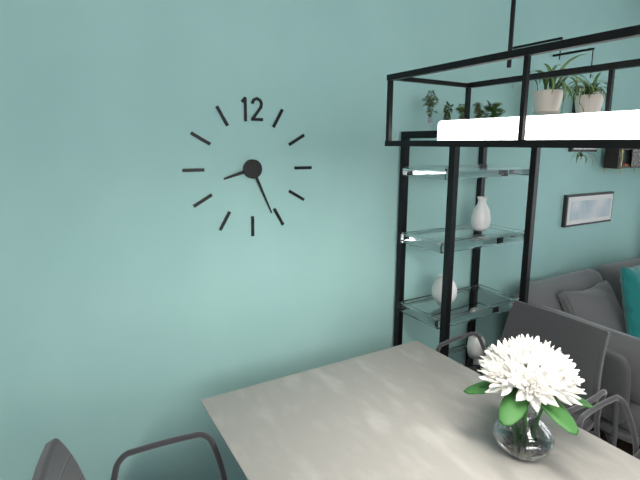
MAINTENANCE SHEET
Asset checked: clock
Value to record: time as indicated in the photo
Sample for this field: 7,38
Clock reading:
8,26
